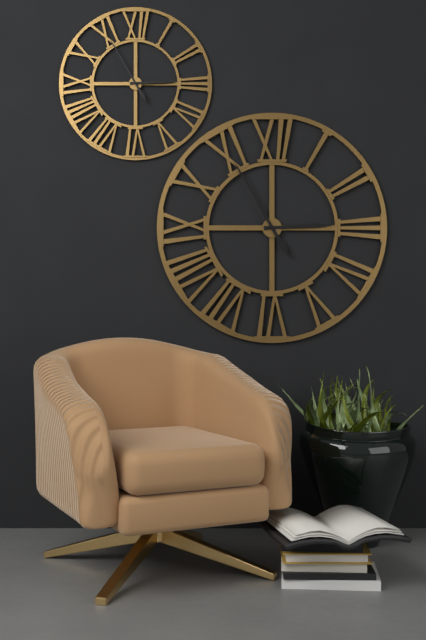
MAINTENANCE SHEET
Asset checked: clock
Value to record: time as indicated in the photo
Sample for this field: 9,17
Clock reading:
2,55
